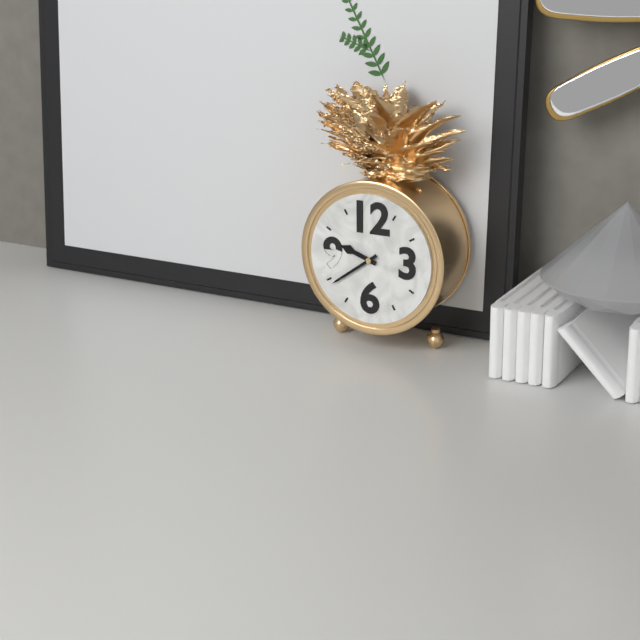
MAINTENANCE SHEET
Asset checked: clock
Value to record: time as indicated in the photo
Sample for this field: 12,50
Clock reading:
9,39
